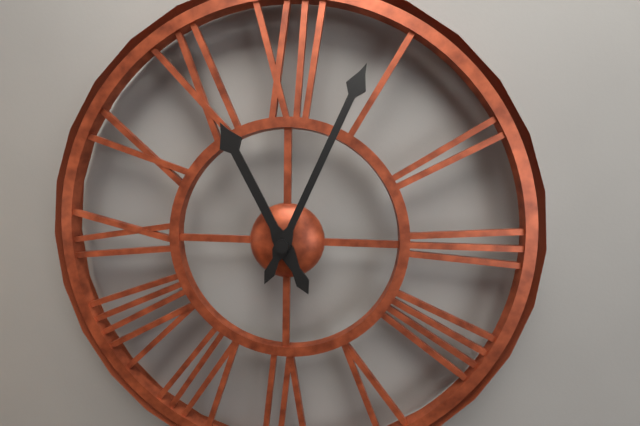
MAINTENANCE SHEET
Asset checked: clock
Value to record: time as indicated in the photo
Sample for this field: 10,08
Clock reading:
11,04
